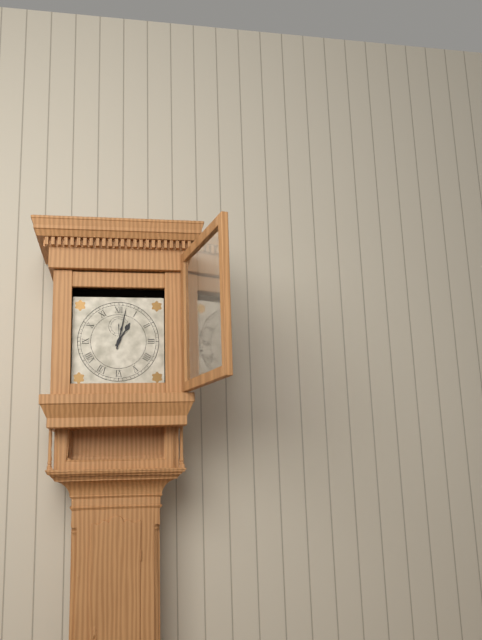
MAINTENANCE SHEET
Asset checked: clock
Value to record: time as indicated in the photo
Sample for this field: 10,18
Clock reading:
1,02
